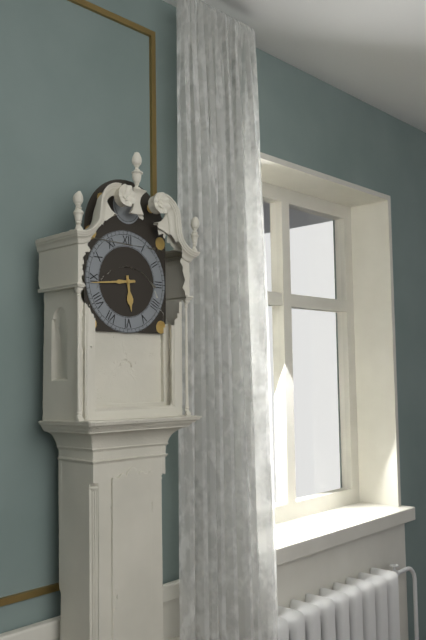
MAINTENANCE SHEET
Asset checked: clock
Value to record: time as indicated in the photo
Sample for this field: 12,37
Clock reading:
5,44
